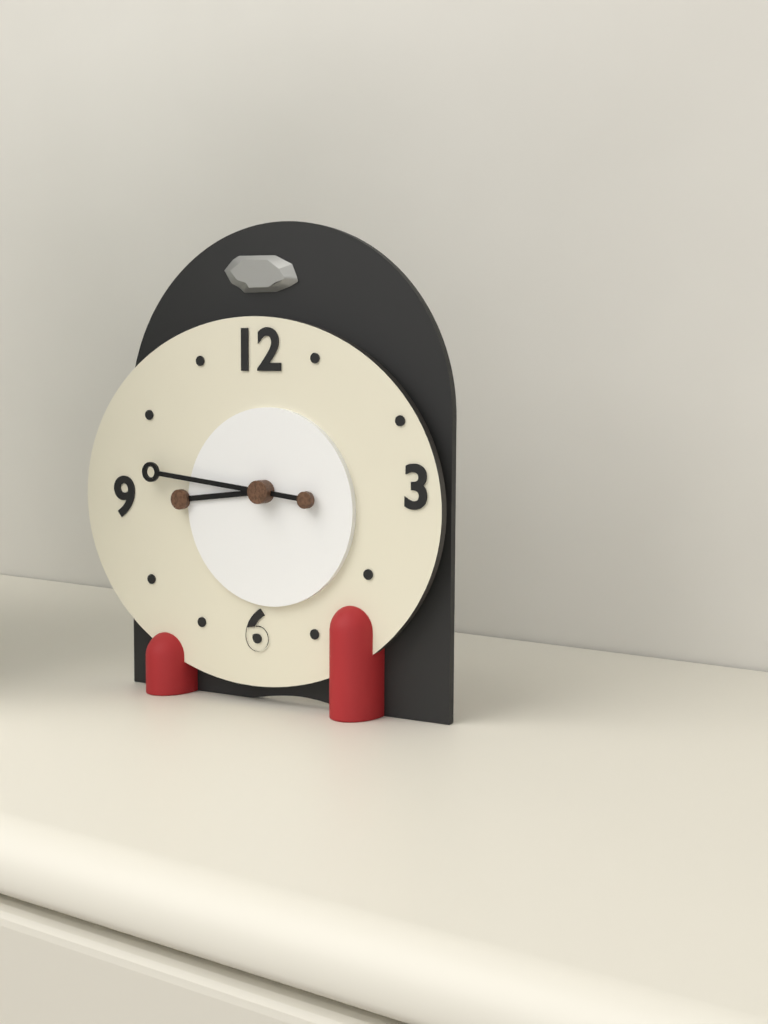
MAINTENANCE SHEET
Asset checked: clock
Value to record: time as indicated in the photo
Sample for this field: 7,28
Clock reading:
8,46
